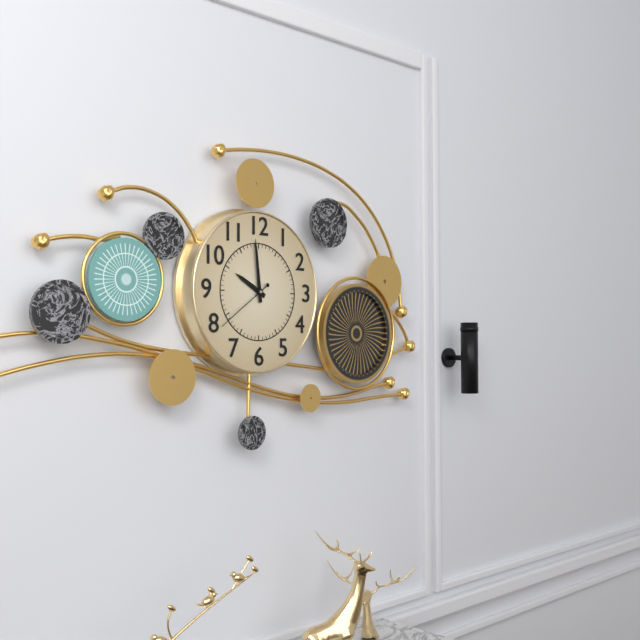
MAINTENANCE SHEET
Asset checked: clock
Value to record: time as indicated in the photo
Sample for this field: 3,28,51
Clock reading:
9,59,39
